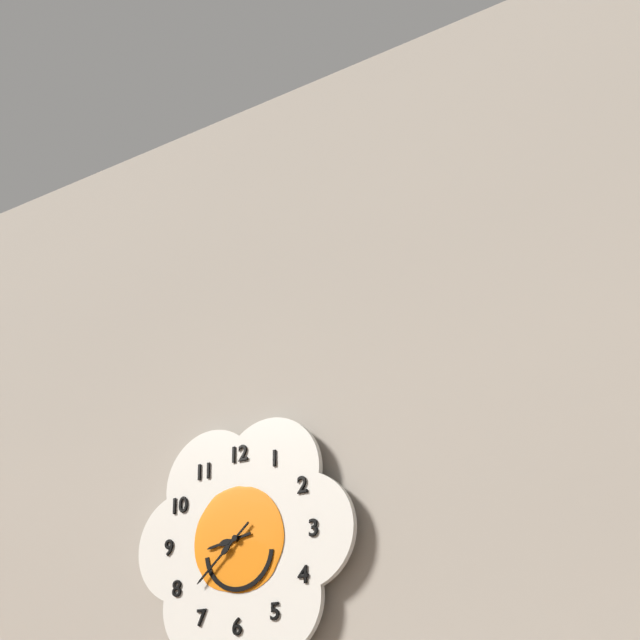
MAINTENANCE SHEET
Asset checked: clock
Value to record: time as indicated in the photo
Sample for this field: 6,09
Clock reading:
8,38
